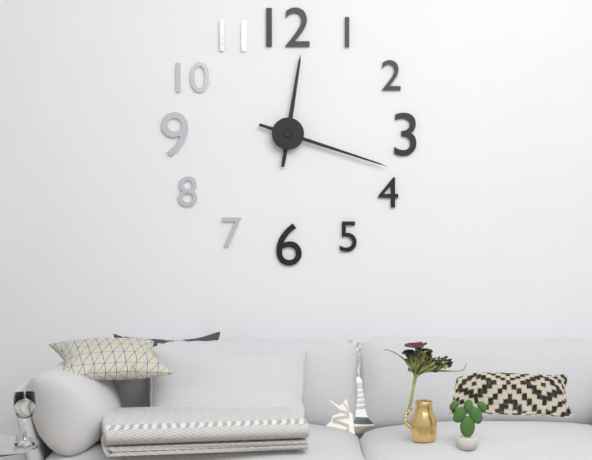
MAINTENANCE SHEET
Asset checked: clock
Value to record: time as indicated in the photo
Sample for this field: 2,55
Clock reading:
12,18
